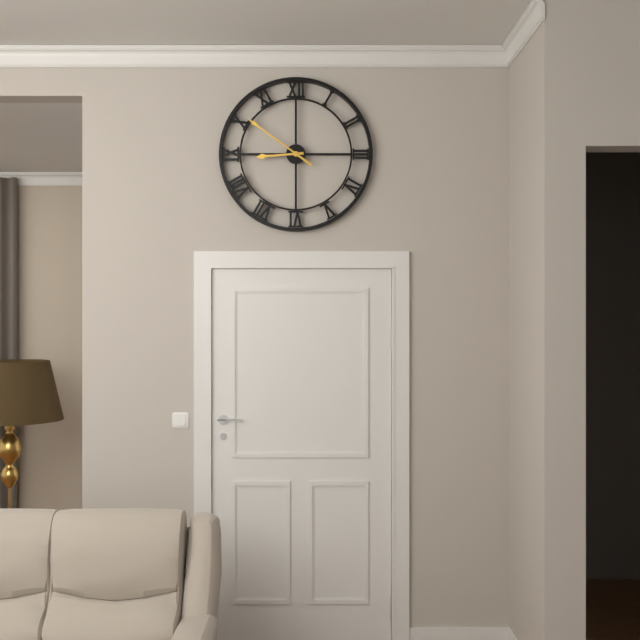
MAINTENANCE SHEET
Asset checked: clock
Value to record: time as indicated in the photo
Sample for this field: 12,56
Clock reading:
8,51
